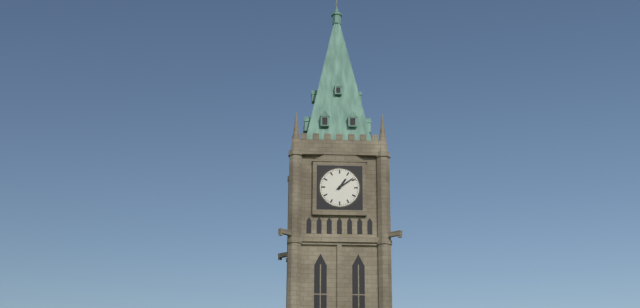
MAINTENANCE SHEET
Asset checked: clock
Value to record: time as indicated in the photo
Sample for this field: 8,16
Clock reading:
1,09
